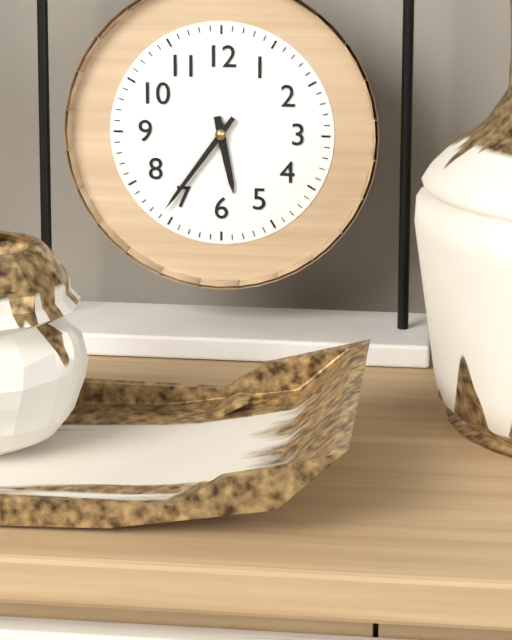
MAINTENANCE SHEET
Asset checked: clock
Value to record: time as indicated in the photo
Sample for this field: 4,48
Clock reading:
5,36
